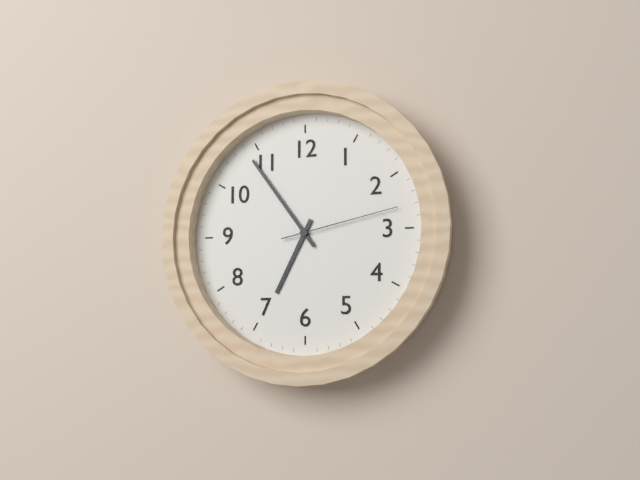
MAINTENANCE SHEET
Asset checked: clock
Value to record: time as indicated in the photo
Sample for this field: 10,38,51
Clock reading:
6,54,13
